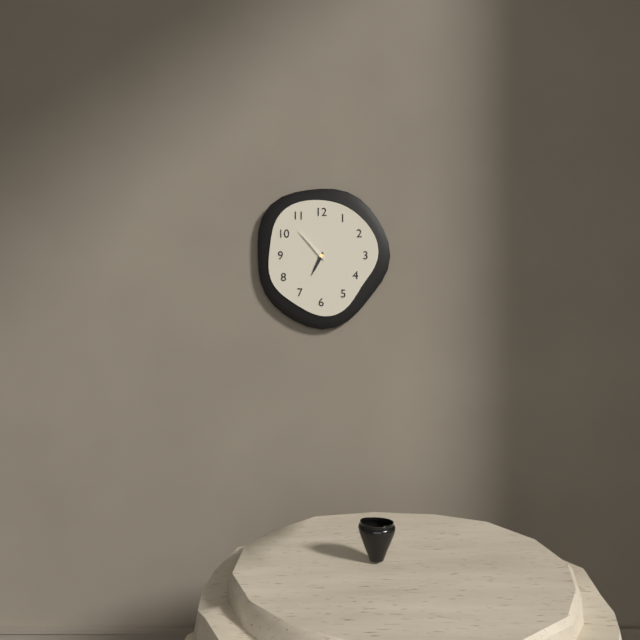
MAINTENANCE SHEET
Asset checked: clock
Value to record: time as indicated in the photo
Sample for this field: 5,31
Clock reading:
6,53
